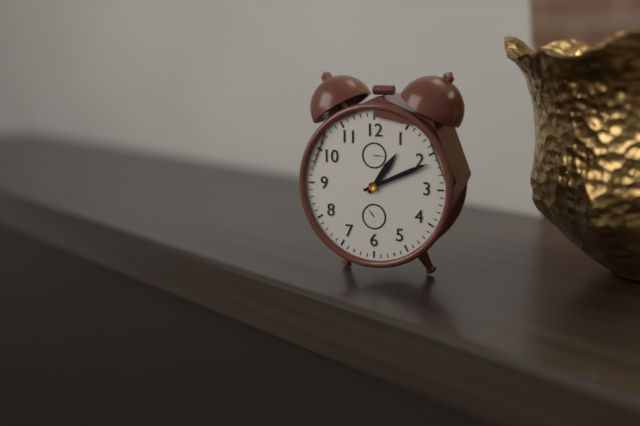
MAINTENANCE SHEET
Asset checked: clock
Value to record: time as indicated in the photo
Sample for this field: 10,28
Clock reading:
1,11
